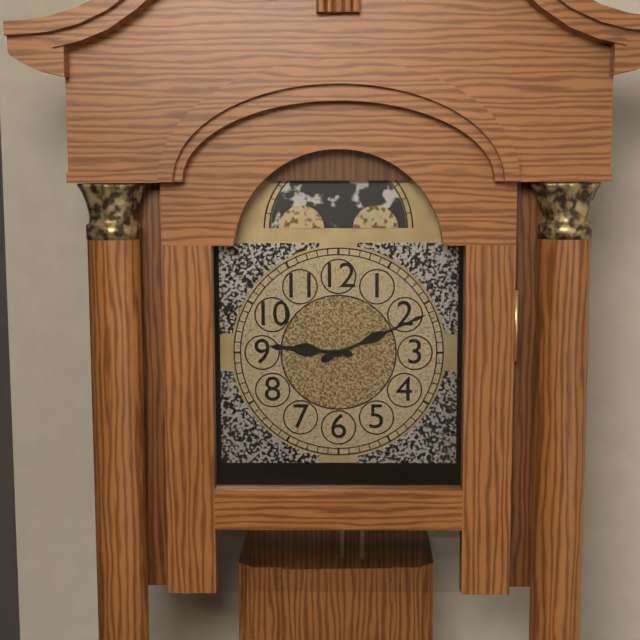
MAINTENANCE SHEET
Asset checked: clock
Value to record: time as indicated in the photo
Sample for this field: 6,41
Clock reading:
9,11
